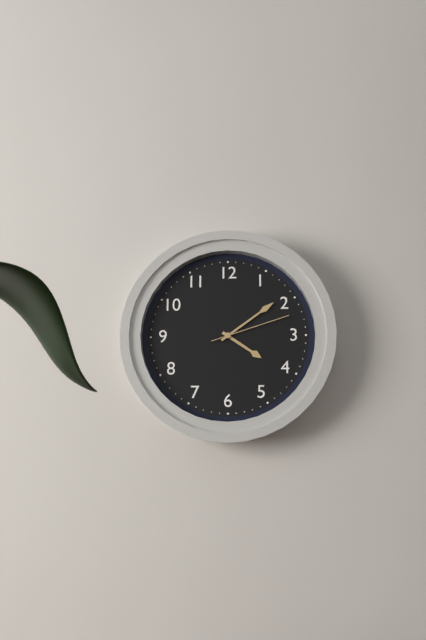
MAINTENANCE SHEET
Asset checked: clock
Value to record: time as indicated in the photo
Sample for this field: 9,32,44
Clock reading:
4,09,12
